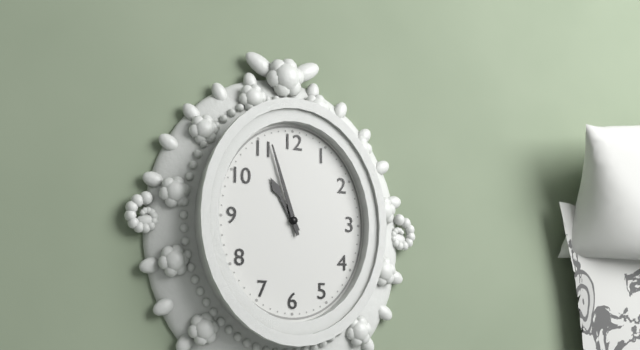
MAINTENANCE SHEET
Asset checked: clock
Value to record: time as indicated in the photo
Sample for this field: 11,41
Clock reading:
10,57
